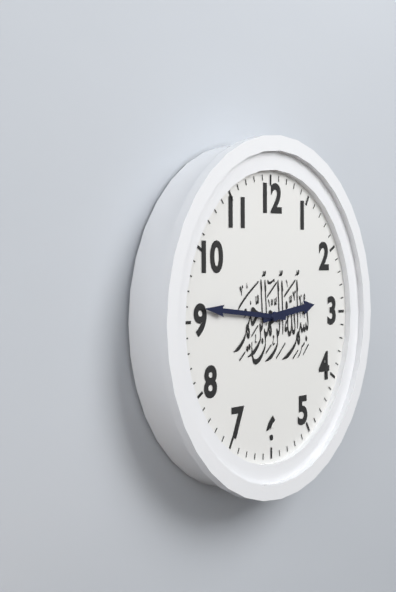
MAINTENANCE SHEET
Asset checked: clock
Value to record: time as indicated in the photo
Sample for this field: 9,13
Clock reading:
2,46
